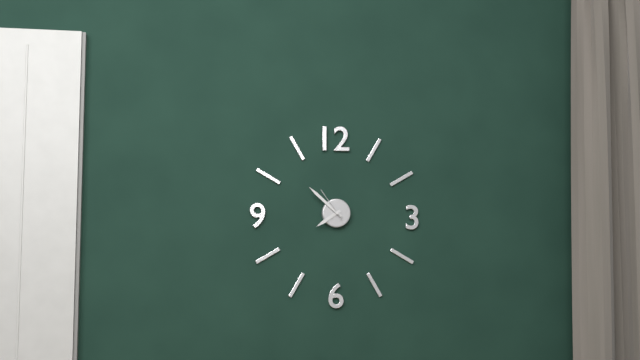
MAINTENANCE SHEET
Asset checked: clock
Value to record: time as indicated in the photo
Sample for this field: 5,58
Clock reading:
7,52
